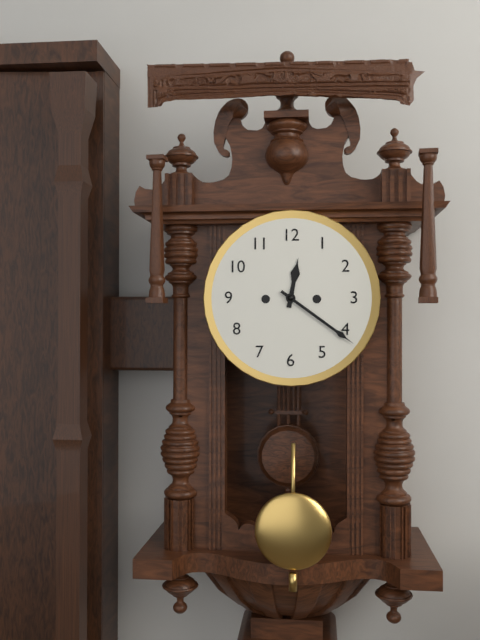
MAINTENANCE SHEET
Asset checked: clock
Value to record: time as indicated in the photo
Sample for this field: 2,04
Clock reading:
12,21
